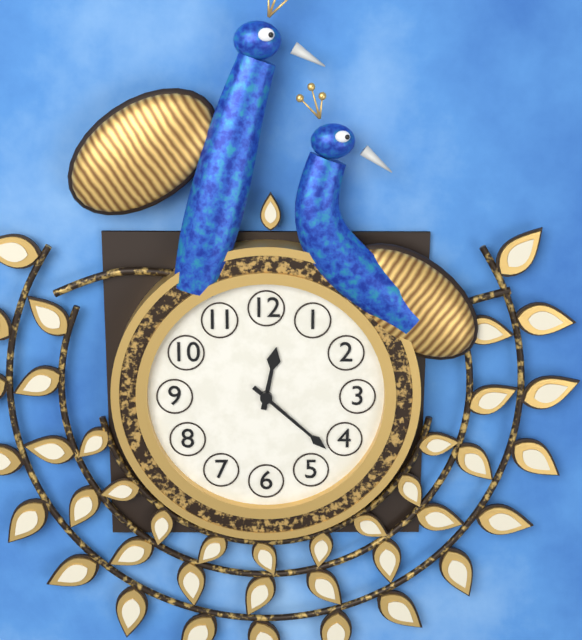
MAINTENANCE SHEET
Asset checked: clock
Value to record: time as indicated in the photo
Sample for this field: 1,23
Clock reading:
12,22
